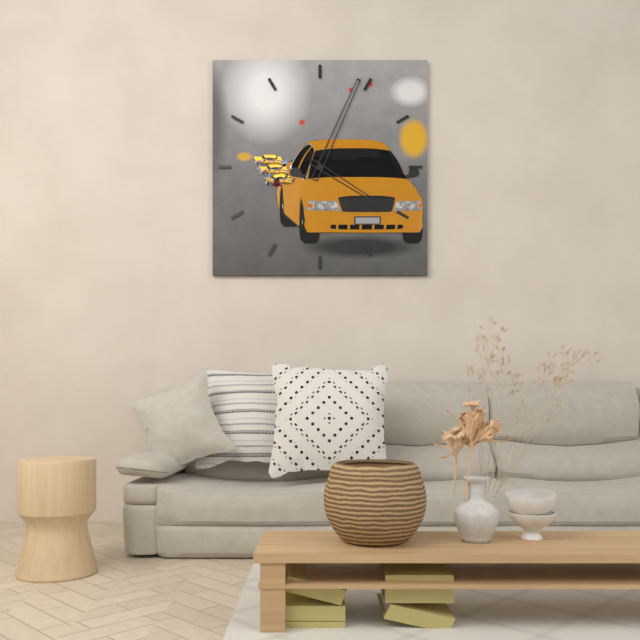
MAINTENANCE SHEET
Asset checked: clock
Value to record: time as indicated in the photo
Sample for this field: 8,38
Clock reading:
4,04
